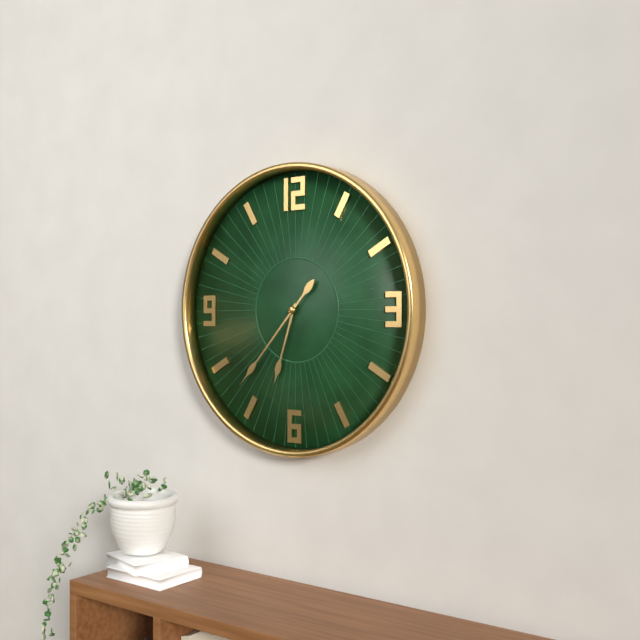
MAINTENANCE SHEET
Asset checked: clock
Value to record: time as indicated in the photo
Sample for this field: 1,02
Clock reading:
6,37
